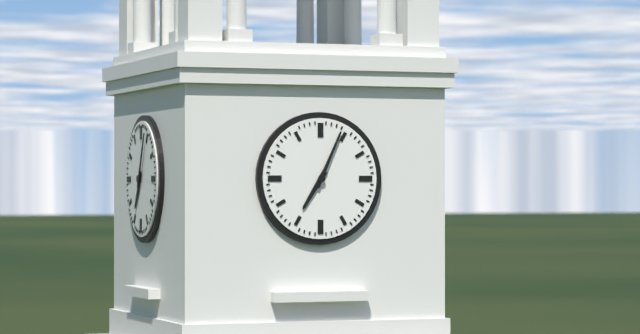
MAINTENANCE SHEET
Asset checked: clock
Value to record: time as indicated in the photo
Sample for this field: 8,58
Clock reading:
7,04
